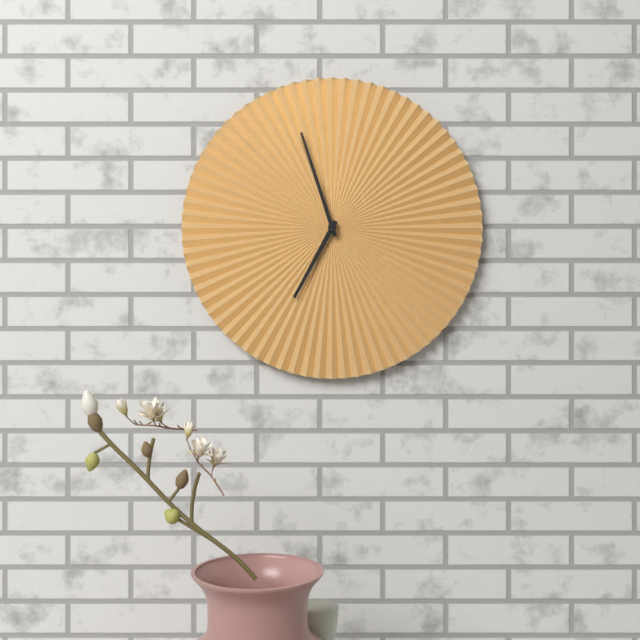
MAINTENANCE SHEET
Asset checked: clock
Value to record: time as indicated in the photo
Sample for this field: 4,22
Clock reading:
6,57
